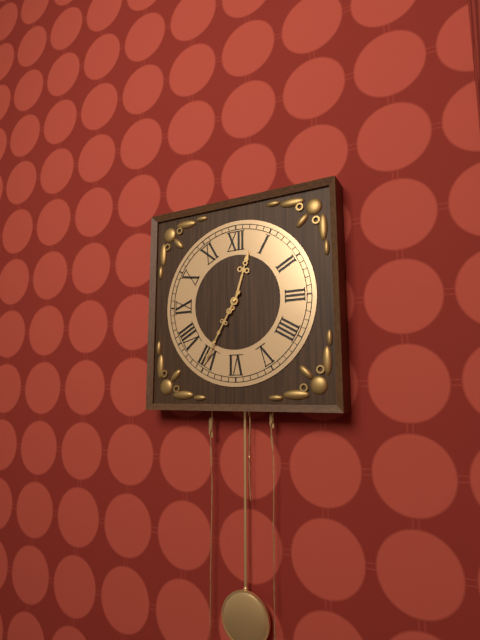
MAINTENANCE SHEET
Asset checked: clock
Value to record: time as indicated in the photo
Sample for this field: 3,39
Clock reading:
12,35
